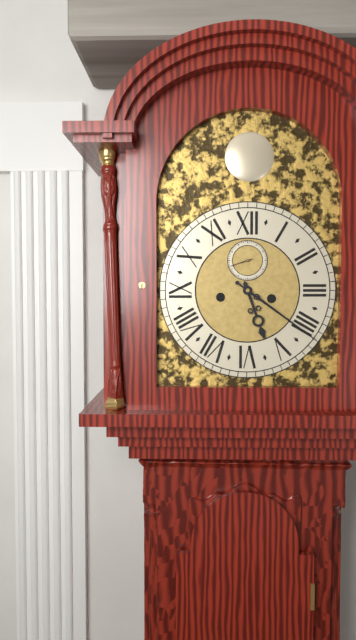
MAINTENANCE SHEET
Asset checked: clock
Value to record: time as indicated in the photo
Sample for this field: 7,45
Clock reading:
5,21
